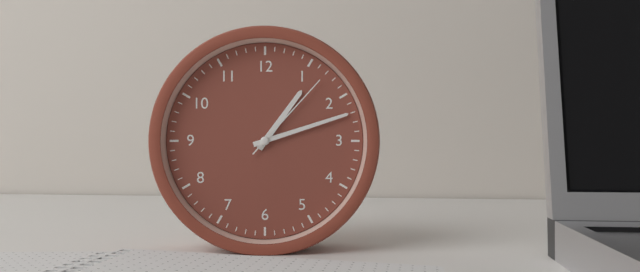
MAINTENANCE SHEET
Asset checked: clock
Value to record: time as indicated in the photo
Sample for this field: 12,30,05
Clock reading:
1,12,07
